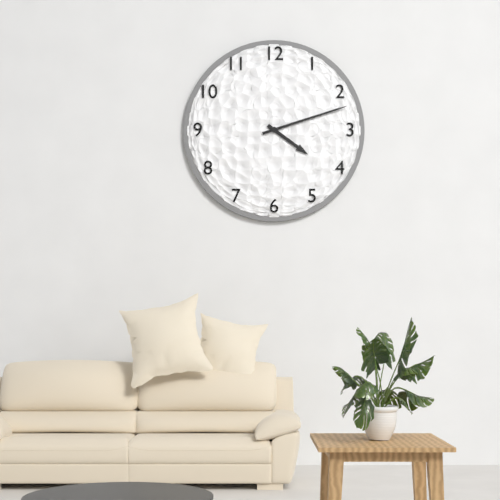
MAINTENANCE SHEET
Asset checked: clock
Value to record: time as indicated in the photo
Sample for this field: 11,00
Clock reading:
4,12
